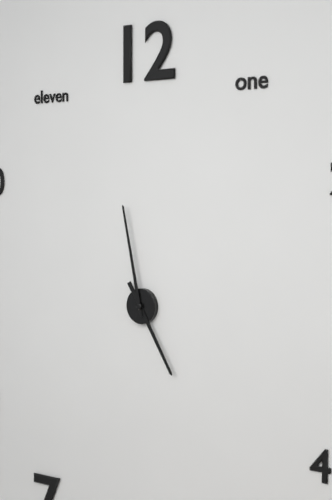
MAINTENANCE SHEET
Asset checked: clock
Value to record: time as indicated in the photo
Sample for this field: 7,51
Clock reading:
4,58
